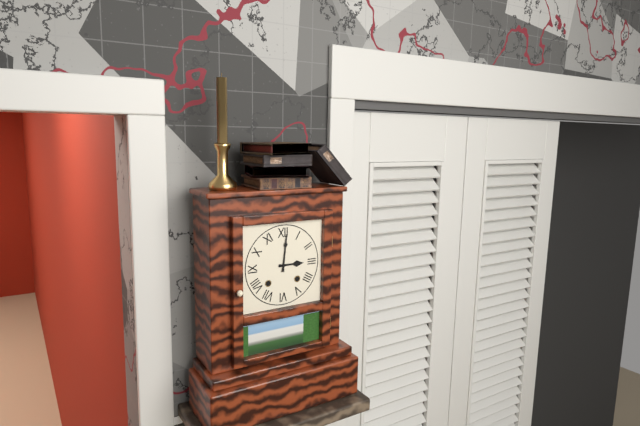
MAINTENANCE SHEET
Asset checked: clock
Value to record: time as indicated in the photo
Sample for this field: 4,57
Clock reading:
3,01
